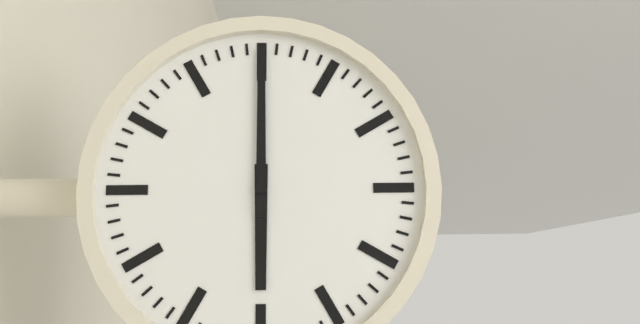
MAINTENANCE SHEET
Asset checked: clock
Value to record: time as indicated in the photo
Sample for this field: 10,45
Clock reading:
6,00
